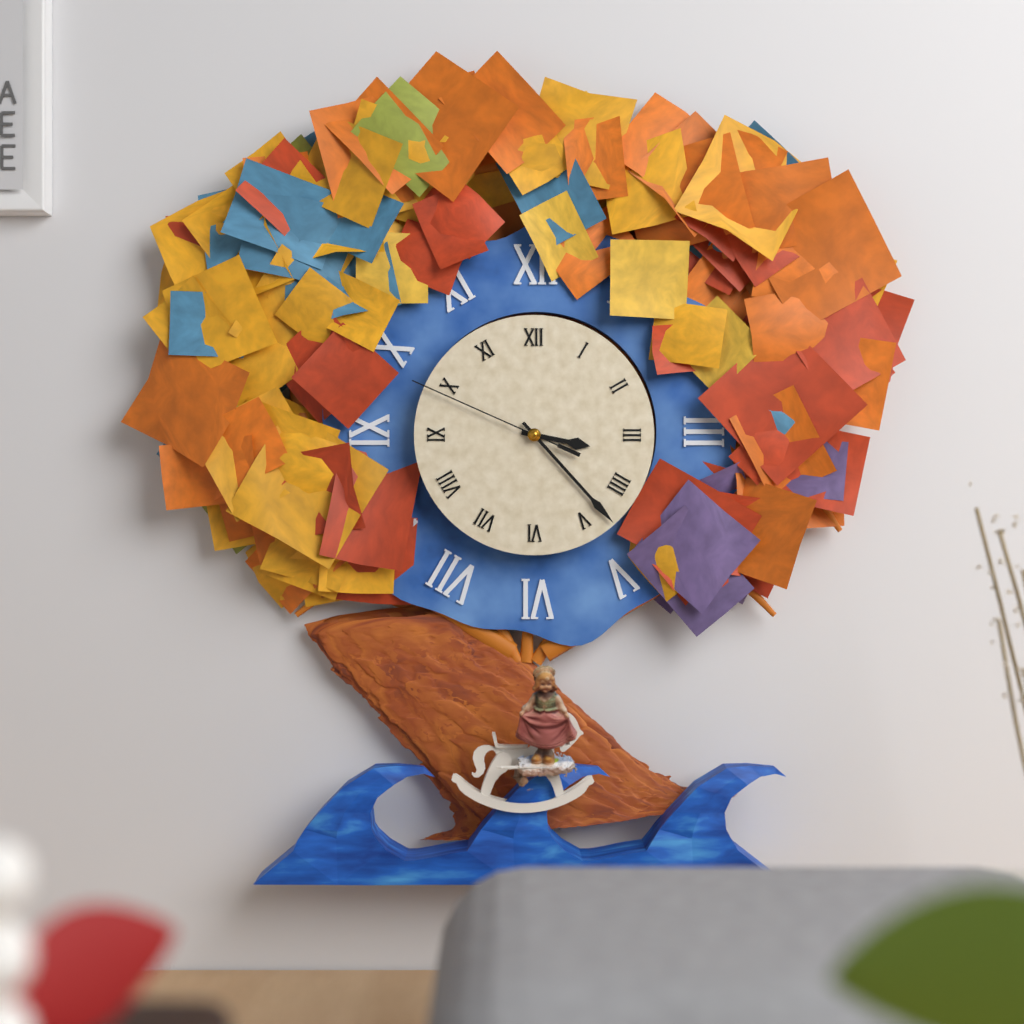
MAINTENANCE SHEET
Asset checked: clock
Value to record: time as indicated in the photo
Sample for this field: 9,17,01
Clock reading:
3,23,49
